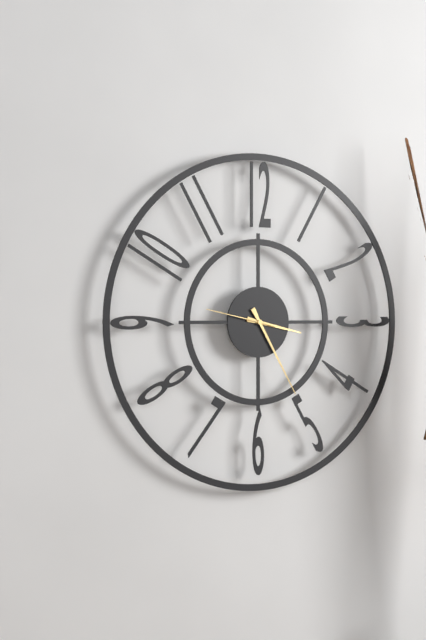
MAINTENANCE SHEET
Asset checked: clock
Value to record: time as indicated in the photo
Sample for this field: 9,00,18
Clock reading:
3,25,47
